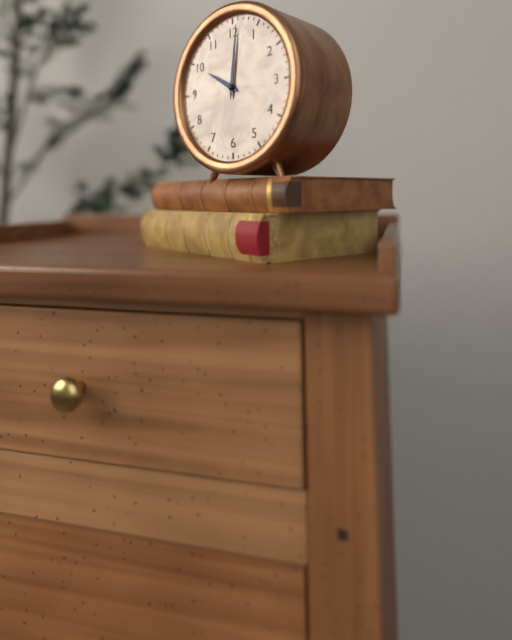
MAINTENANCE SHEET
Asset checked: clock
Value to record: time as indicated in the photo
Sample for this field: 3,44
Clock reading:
10,01
